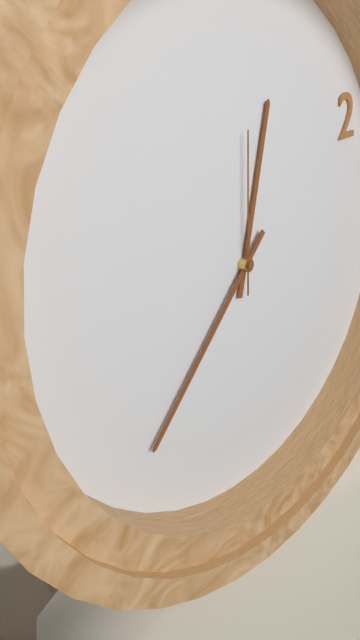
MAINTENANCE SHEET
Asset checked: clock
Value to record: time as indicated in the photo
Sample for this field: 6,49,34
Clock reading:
12,38,01
